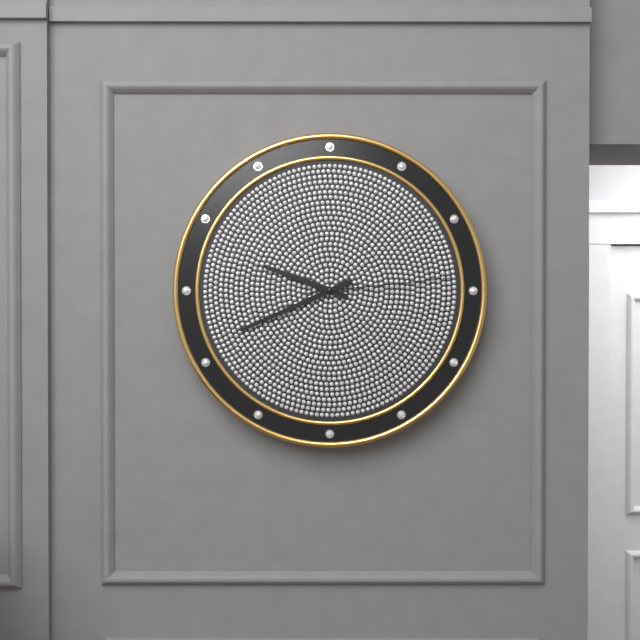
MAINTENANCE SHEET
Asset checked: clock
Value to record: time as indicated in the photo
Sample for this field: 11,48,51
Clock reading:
9,41,14
